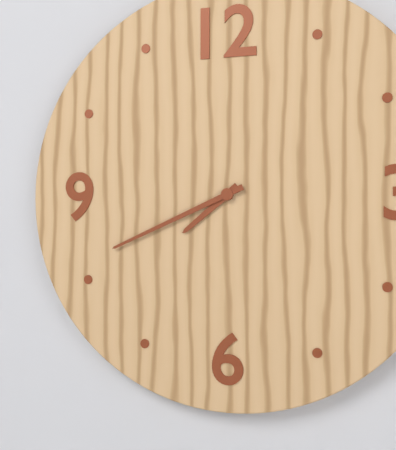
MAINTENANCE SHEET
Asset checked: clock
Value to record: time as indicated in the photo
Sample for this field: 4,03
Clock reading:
7,41
